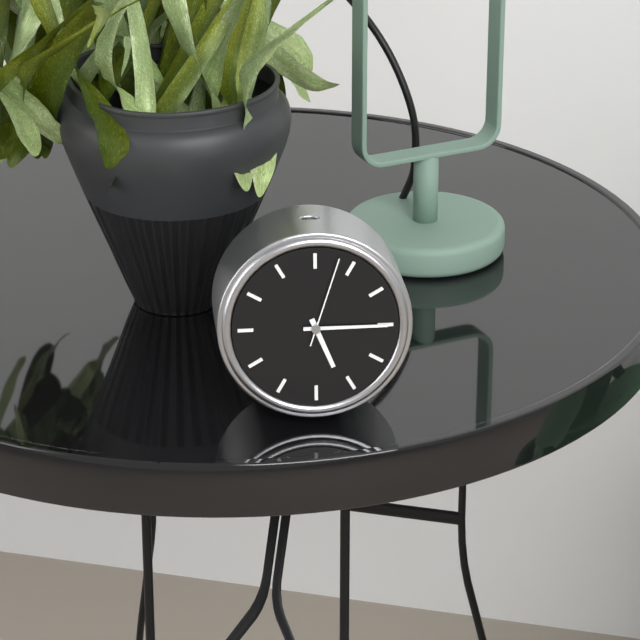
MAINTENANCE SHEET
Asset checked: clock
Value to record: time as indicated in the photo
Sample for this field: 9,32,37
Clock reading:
5,15,03
